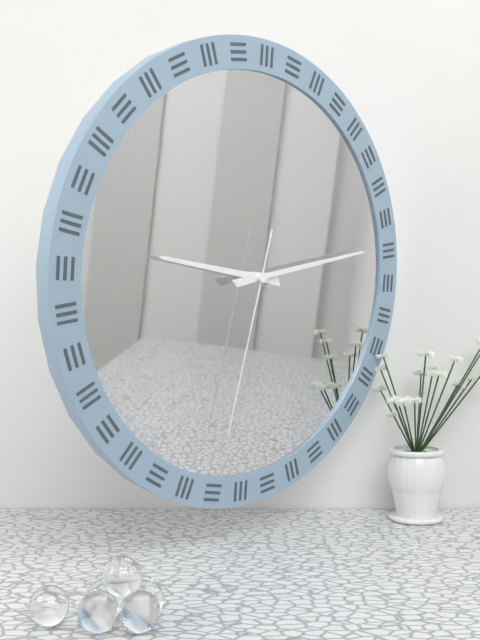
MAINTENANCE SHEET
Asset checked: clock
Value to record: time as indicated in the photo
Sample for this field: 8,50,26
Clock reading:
9,13,32
